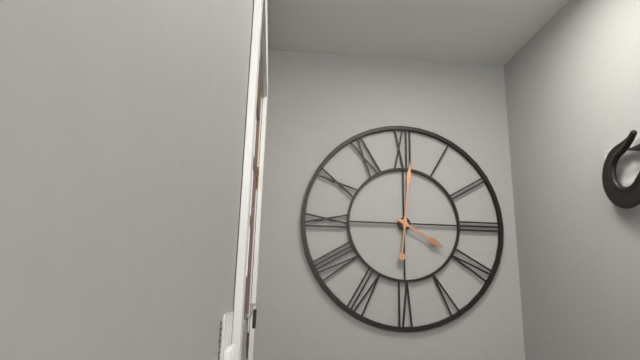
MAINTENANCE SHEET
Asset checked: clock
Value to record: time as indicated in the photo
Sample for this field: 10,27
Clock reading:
4,01
